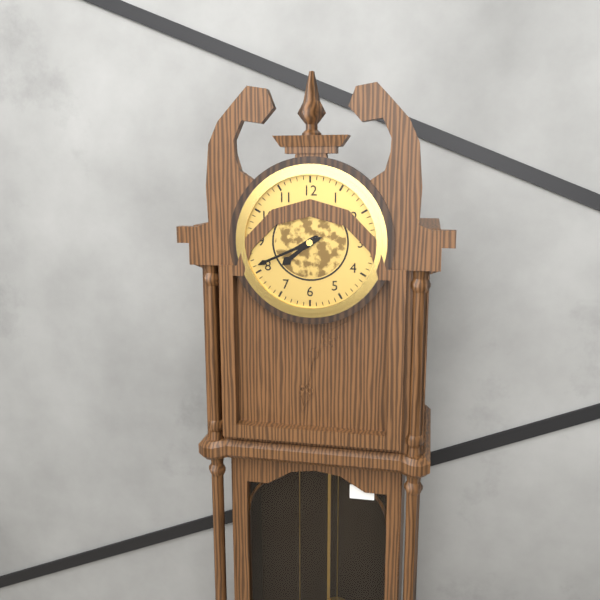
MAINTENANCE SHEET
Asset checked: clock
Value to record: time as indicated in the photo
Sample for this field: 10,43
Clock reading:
7,41
